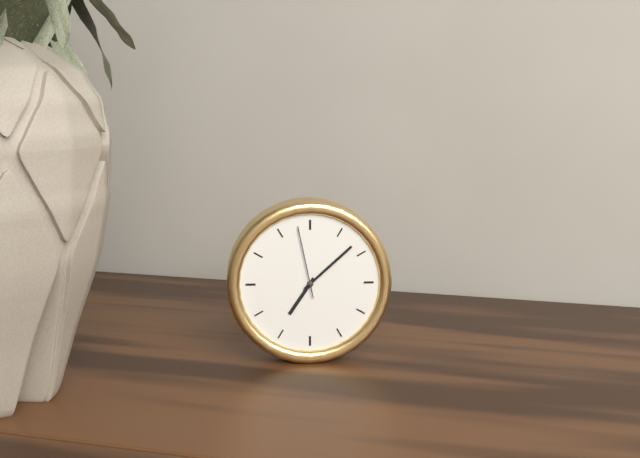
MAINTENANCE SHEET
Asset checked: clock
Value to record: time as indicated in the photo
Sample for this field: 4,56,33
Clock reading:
7,08,58
